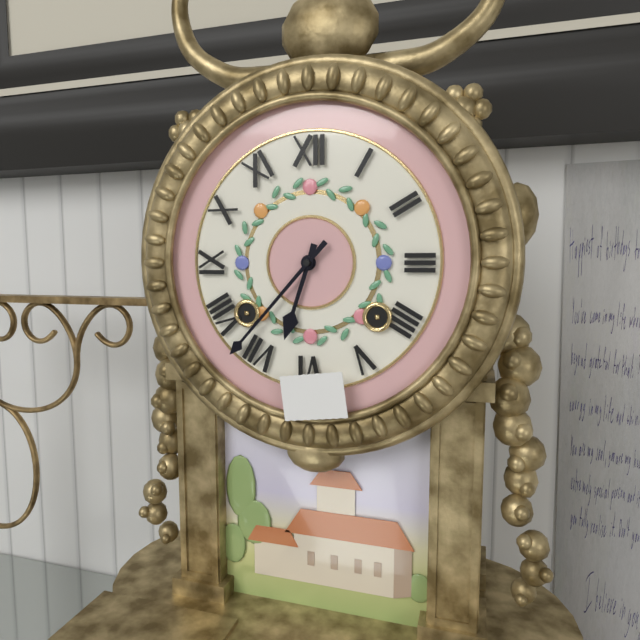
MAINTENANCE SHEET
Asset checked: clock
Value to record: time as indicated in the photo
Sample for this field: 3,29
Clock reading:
6,37
